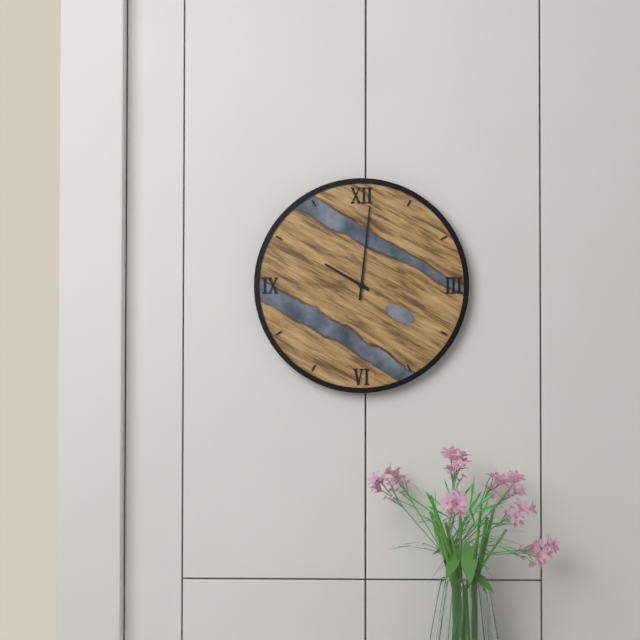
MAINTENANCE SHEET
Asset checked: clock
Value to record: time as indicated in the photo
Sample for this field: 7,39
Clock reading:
10,01
